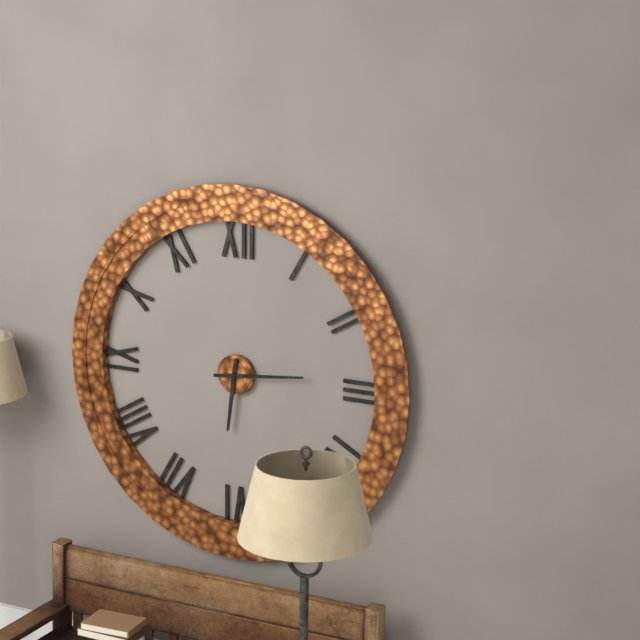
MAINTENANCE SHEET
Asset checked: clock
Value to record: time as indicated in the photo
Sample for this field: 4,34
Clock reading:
6,14
